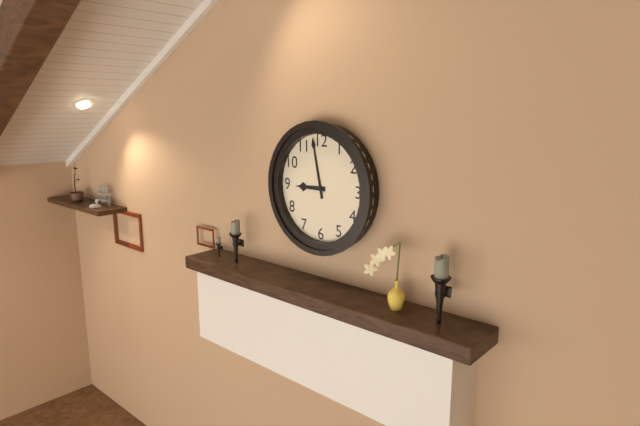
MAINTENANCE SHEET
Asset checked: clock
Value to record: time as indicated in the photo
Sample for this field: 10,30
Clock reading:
8,58
